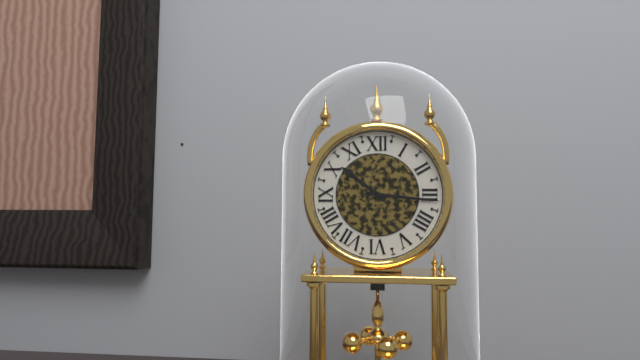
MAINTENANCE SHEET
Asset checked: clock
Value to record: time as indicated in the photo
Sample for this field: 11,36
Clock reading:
10,16
